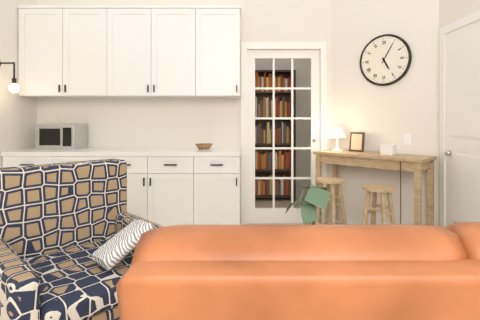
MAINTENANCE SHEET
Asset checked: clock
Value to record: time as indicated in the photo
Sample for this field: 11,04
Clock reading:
5,05
